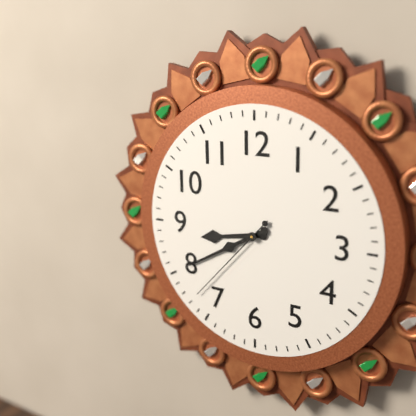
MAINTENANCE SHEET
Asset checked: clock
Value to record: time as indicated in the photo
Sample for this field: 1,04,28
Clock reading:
8,40,37
